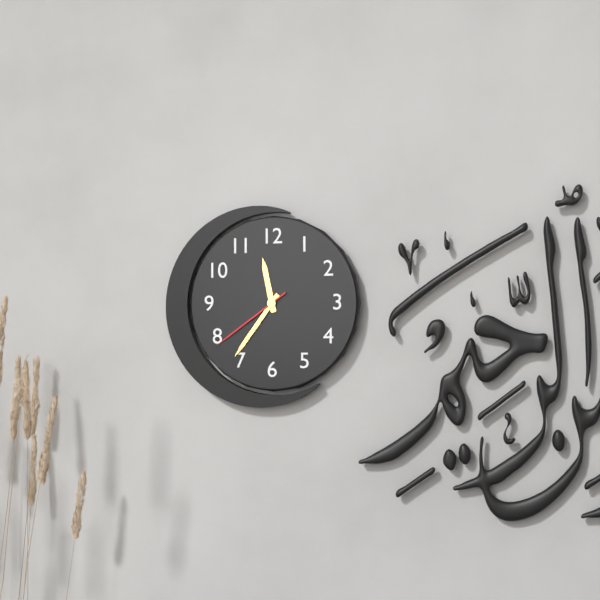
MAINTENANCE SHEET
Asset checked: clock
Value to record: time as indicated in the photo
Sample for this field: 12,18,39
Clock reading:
11,36,39
